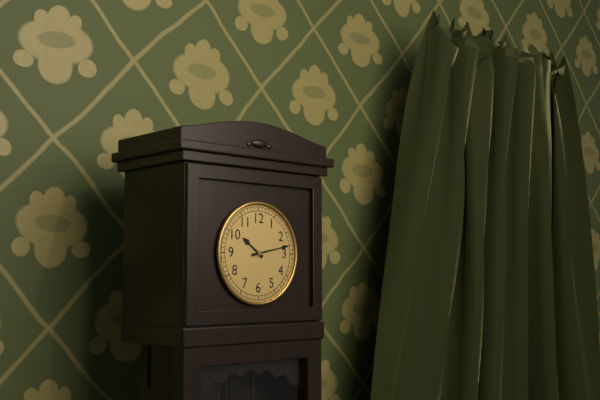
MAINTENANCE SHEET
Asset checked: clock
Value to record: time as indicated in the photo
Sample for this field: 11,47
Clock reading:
10,13
